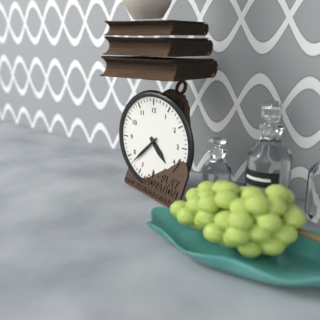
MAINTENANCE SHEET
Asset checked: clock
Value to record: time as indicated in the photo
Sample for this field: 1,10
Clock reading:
4,38
